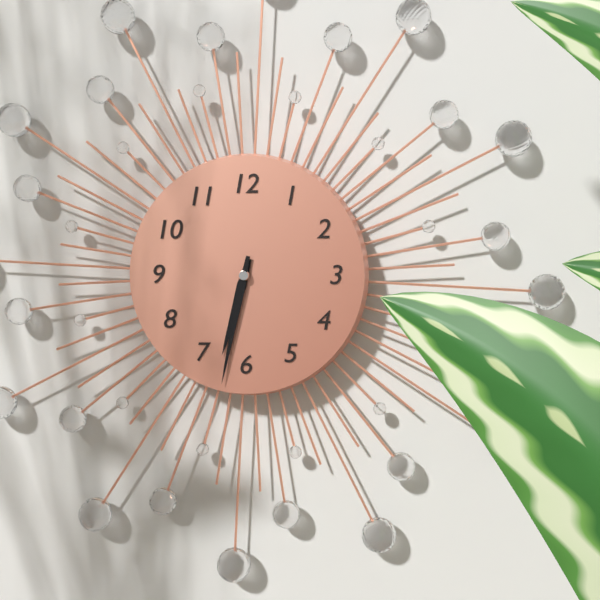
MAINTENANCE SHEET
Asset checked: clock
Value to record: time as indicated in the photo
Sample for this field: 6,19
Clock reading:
6,32
